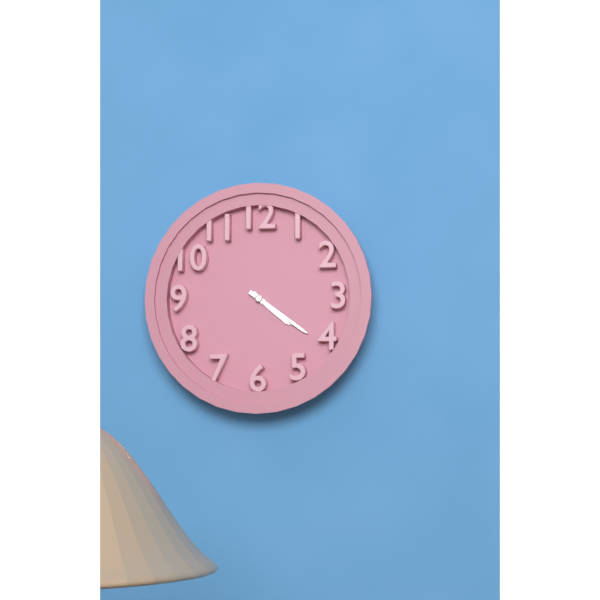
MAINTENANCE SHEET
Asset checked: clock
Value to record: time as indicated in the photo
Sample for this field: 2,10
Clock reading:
4,21
